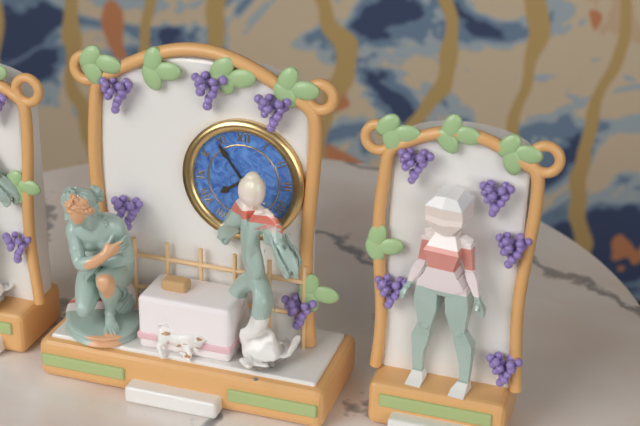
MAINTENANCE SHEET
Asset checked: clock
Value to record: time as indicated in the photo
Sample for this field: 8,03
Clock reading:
7,54
